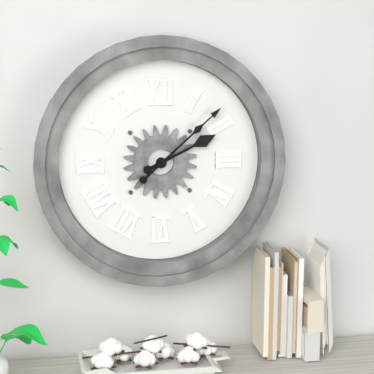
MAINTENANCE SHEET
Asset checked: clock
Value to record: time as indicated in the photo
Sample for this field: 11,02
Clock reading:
2,08
